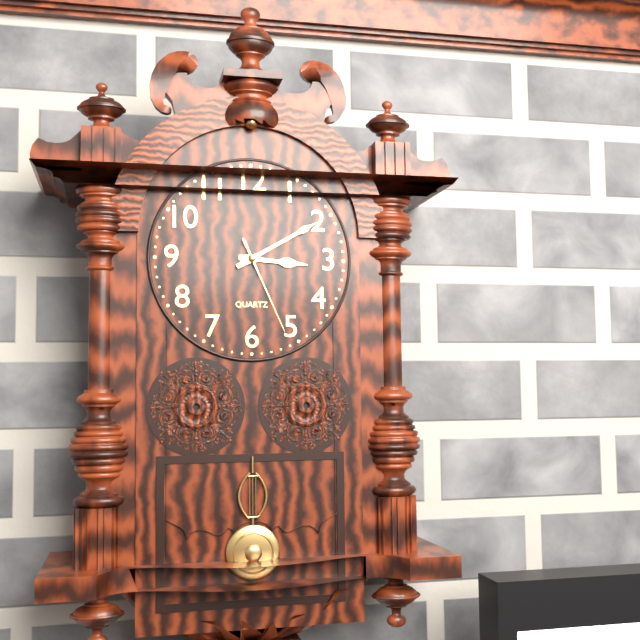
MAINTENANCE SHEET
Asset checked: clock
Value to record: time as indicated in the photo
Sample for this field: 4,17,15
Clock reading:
3,10,26
